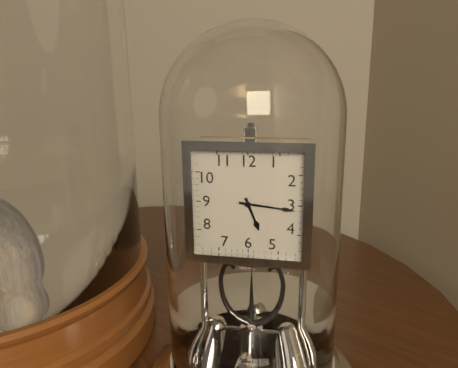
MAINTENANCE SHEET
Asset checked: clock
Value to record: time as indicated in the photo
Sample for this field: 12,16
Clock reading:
5,16
